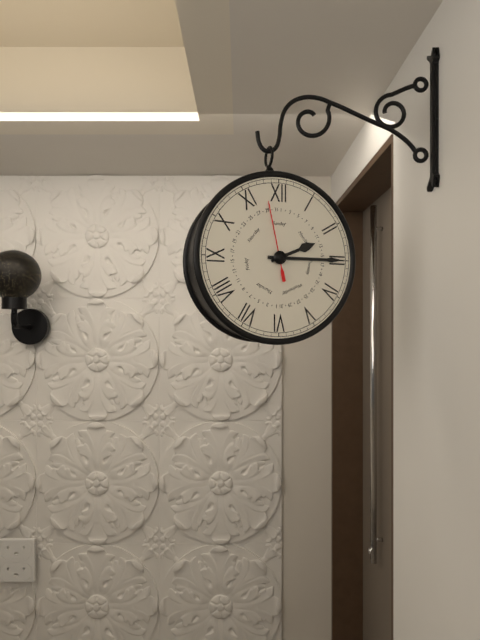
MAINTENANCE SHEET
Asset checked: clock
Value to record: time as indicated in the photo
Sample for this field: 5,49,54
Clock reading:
2,15,58
